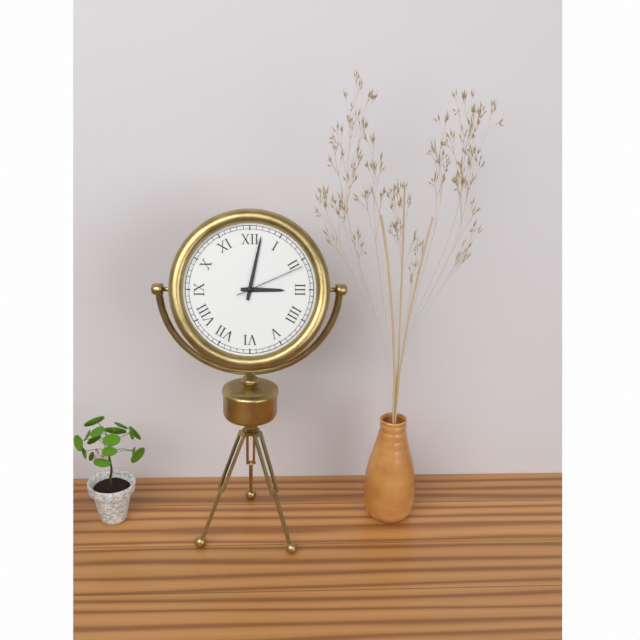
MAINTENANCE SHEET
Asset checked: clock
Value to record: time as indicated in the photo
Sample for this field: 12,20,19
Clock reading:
3,02,11
